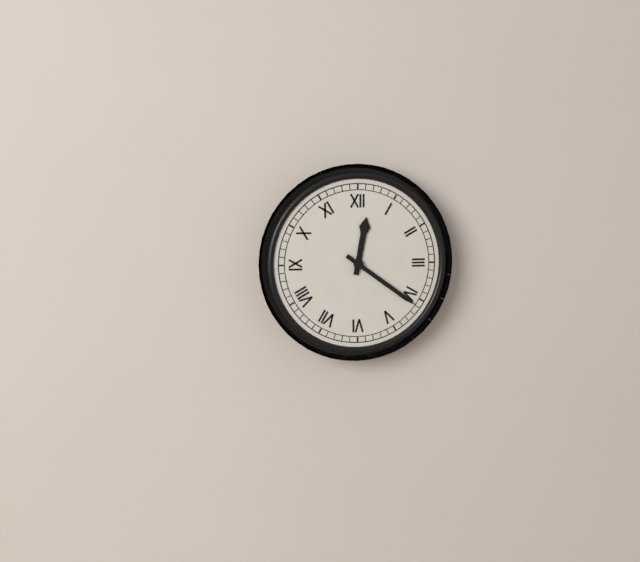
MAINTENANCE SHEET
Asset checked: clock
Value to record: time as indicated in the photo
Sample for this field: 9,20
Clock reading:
12,21
